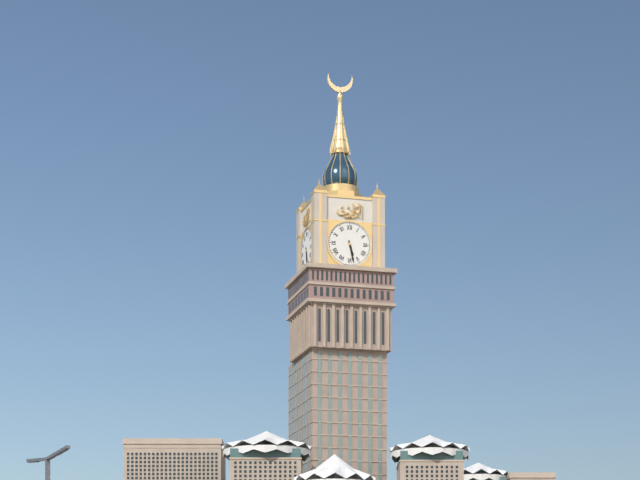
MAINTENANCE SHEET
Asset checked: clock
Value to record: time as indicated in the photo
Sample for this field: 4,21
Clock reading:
5,28
